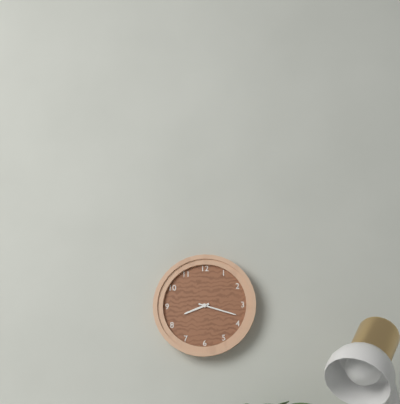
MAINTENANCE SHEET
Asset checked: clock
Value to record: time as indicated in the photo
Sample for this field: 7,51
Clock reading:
8,18
